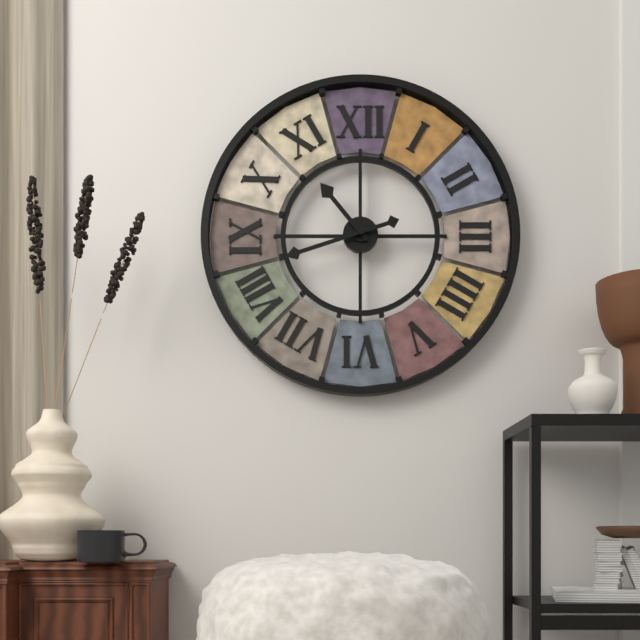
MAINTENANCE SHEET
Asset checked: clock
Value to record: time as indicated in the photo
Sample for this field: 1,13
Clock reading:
10,42
